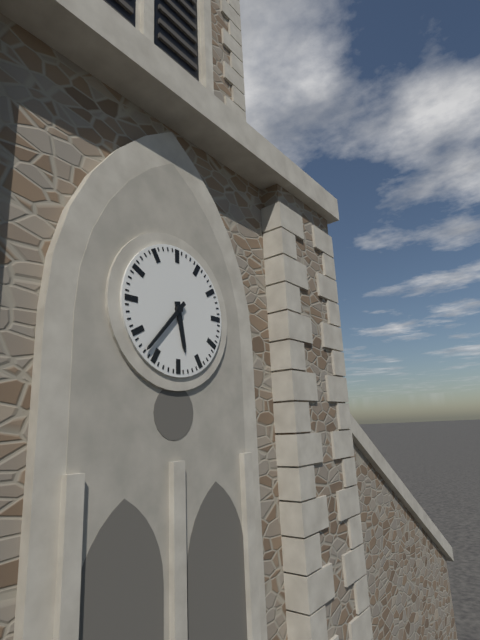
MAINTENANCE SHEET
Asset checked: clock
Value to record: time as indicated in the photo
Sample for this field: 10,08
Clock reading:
5,37
